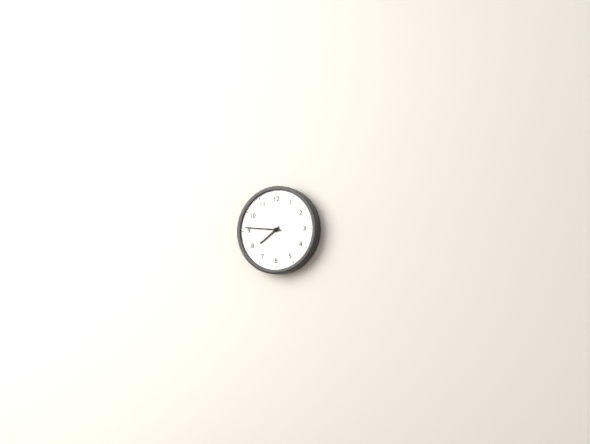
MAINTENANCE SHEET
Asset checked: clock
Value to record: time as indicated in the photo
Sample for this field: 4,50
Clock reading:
7,46
